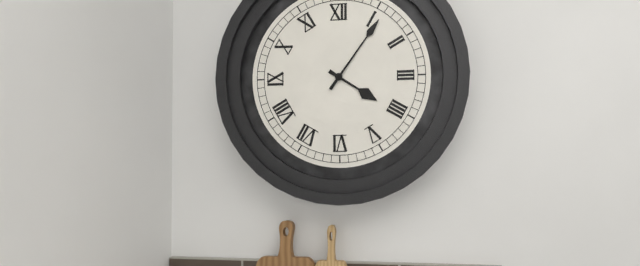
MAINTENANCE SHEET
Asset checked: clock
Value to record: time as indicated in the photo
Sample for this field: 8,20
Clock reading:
4,06
